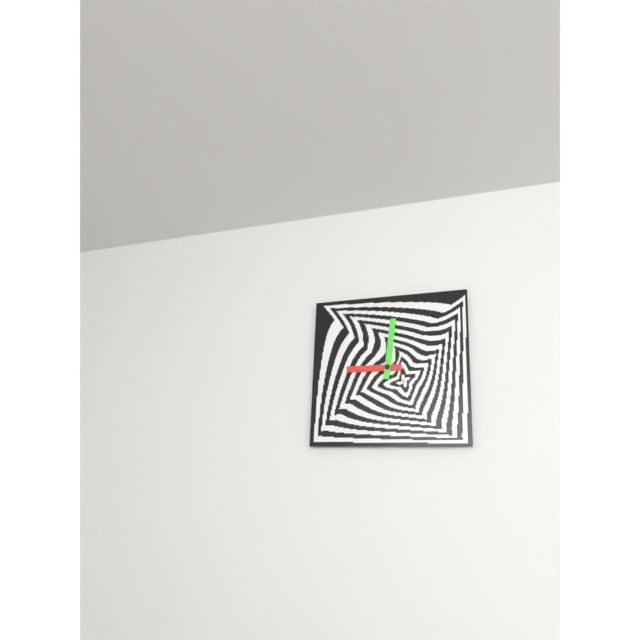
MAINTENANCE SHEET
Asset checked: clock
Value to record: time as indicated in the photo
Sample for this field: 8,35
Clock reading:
9,01
